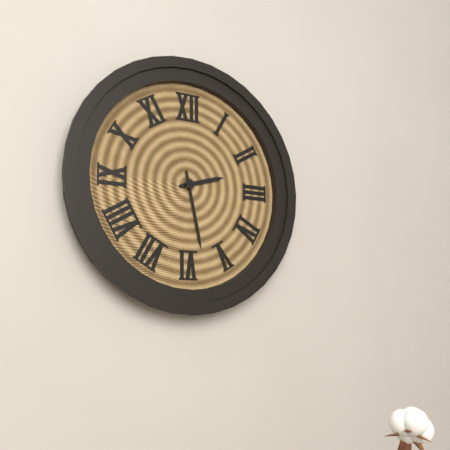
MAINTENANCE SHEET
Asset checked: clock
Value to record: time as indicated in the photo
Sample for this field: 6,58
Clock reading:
2,28
